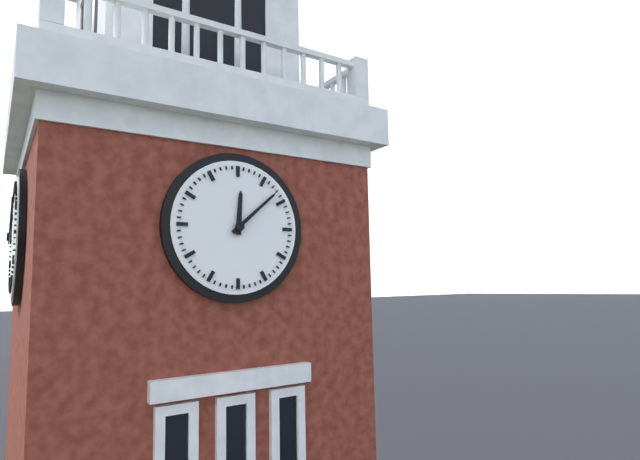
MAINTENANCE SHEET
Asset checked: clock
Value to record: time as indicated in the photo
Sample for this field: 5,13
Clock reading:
12,08
